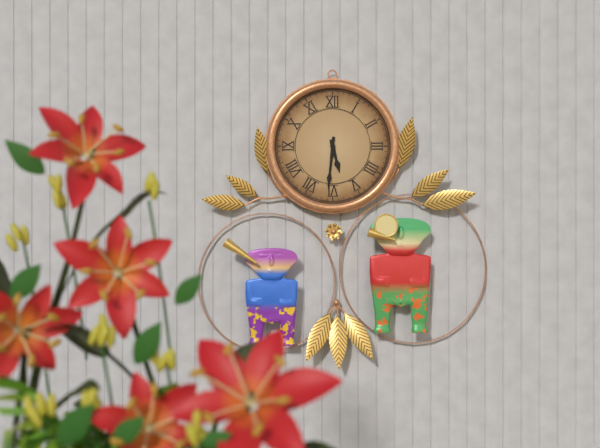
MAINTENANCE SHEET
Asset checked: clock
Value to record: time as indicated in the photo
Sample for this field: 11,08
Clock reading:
5,31
